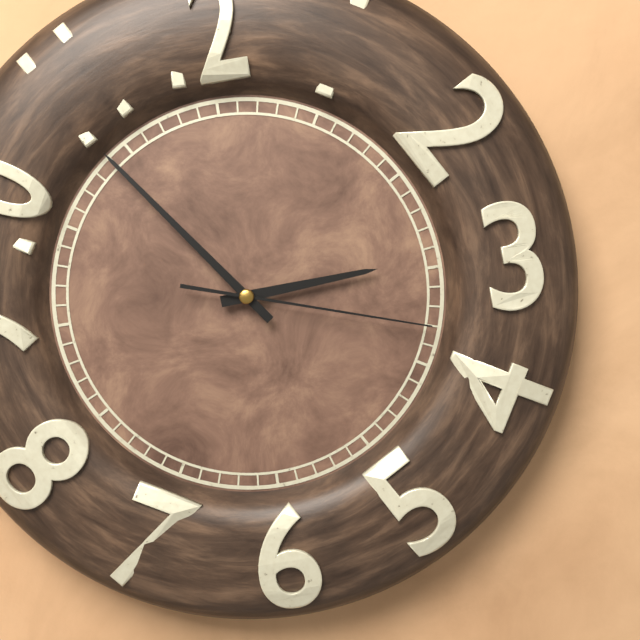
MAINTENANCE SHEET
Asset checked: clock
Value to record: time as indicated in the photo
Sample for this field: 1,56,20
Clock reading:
2,54,18
